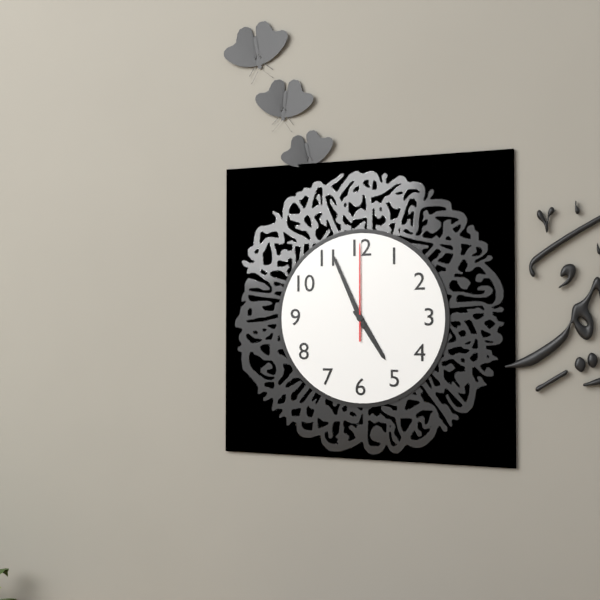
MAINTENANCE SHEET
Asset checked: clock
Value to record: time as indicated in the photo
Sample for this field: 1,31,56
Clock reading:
4,56,00
